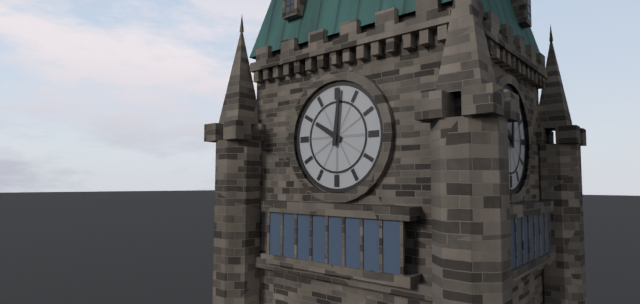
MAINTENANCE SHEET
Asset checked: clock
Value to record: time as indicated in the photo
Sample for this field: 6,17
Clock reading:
10,01
